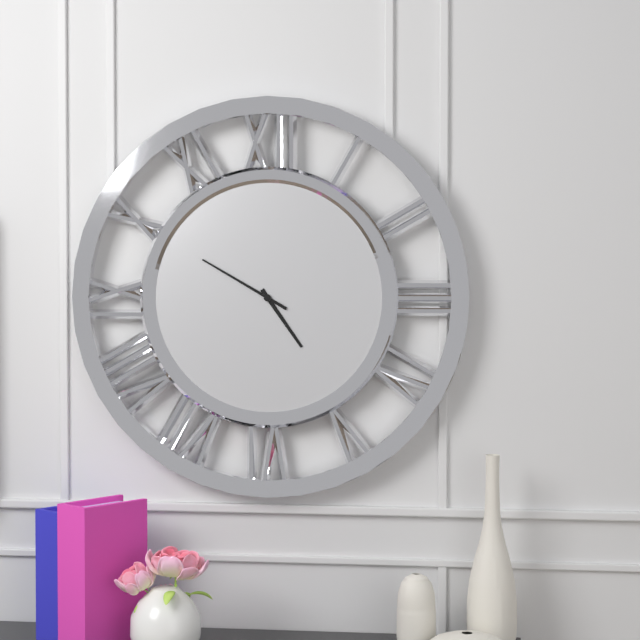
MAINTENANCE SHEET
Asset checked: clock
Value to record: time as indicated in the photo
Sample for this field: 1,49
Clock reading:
4,50
